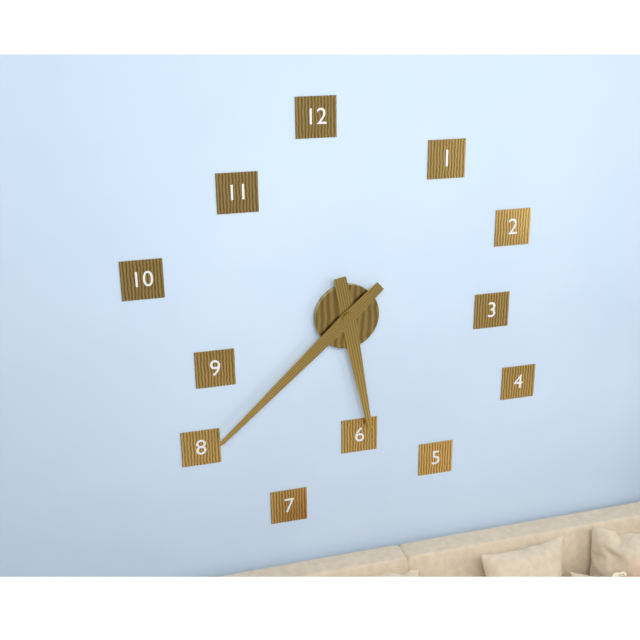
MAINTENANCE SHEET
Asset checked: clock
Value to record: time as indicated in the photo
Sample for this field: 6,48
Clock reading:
5,38
